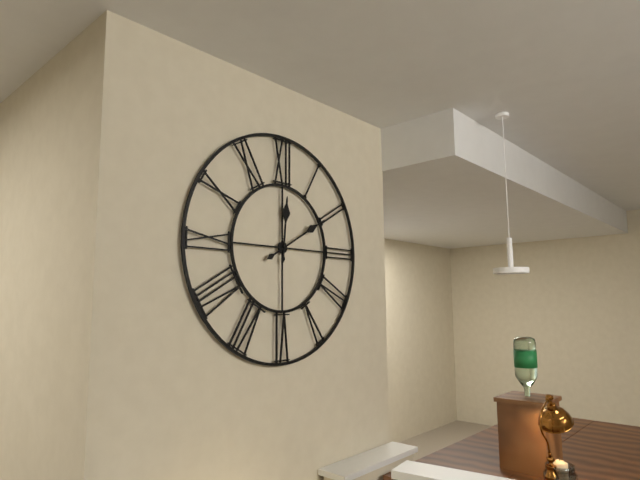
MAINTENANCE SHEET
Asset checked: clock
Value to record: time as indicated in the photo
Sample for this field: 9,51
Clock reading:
12,10
